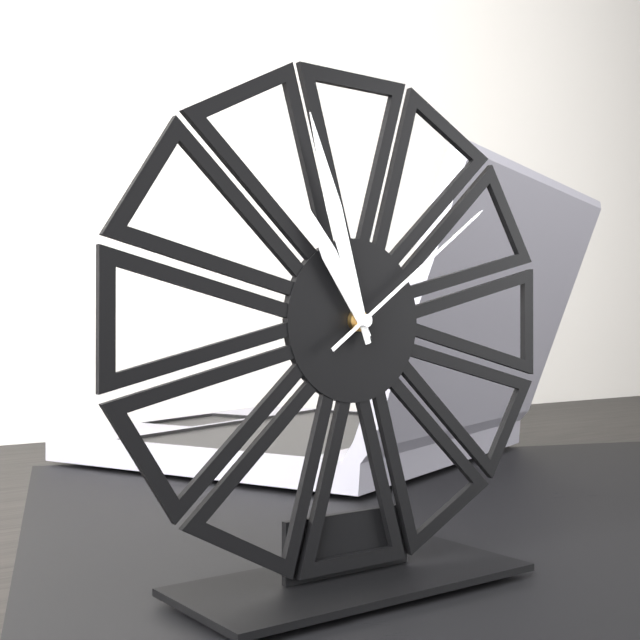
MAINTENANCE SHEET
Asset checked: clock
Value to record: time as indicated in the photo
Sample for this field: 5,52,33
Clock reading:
10,57,09
